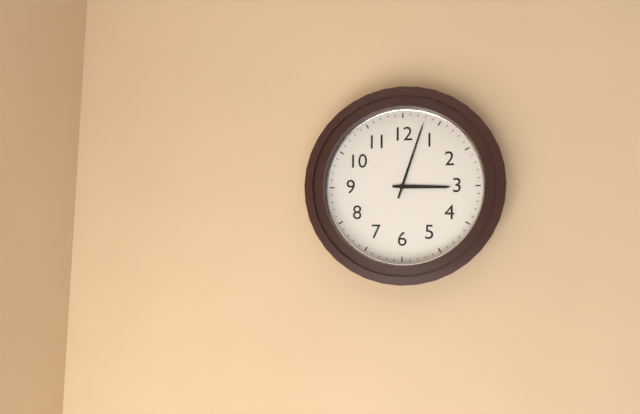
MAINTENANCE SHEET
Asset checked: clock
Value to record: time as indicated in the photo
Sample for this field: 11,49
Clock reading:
3,03
